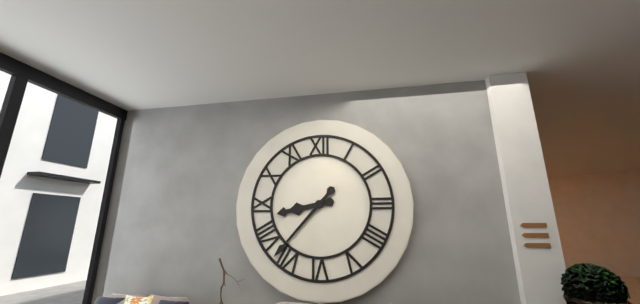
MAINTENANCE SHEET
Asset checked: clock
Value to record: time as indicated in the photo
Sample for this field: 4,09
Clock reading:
8,37
